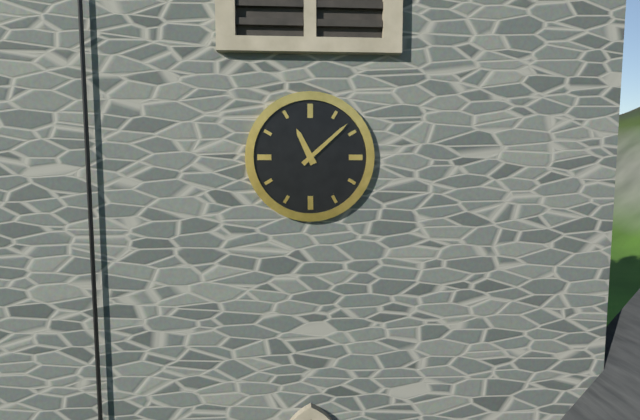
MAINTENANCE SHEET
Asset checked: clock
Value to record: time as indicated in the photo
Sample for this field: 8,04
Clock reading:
11,08
